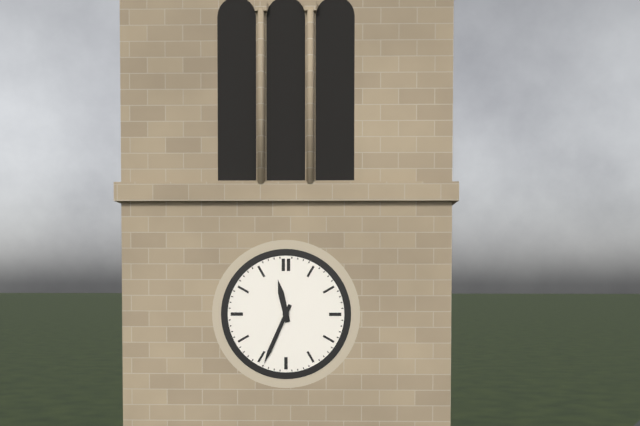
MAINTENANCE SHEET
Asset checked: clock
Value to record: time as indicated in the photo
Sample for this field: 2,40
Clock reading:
11,34
